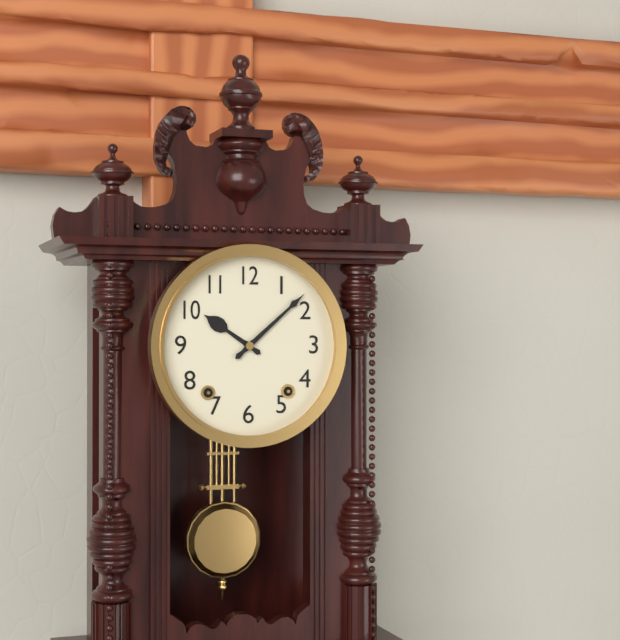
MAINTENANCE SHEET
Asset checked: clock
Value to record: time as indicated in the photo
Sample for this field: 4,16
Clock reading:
10,08
